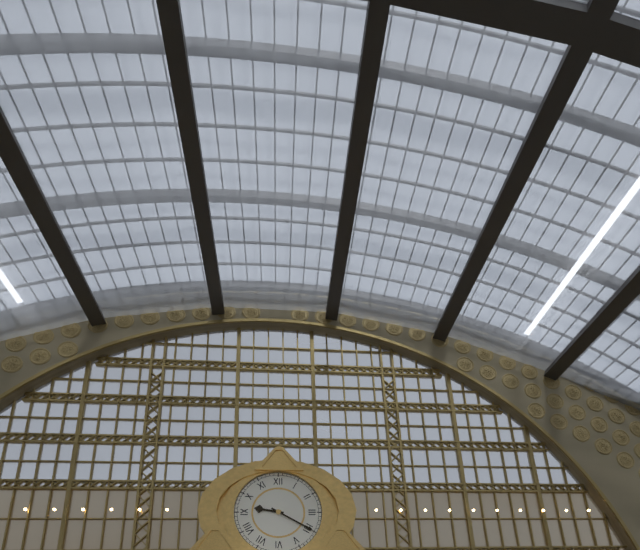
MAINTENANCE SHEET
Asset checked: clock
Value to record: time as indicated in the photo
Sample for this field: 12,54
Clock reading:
9,20
